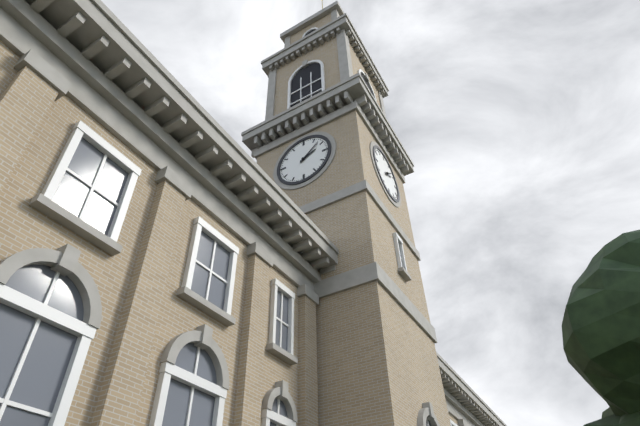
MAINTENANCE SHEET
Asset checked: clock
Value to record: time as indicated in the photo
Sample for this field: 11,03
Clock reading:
2,08
